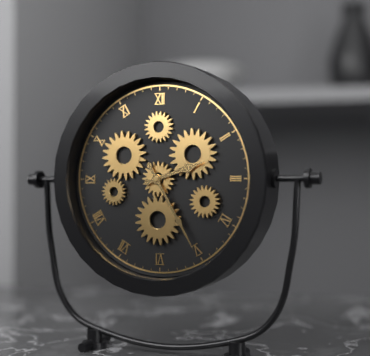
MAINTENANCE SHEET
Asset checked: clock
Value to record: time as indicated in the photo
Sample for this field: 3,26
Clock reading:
2,25
